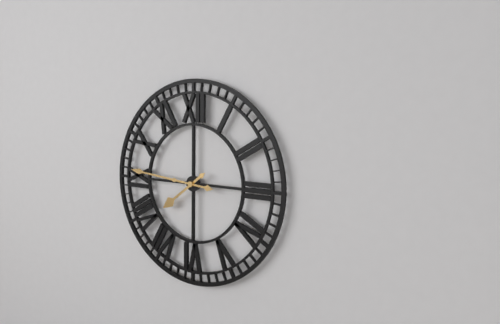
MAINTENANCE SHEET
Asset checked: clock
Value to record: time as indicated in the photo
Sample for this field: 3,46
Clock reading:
7,46
